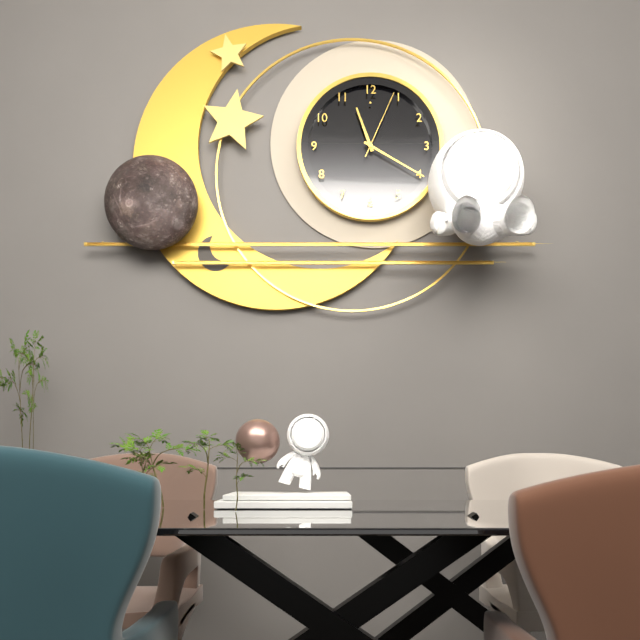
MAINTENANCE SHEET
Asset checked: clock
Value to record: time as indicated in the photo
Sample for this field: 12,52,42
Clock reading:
11,20,04
